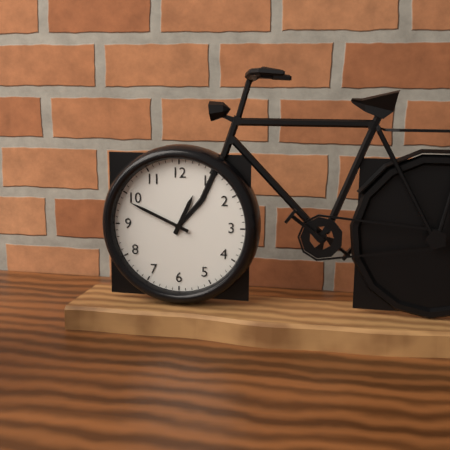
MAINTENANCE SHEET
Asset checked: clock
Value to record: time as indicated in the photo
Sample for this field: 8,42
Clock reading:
12,49
